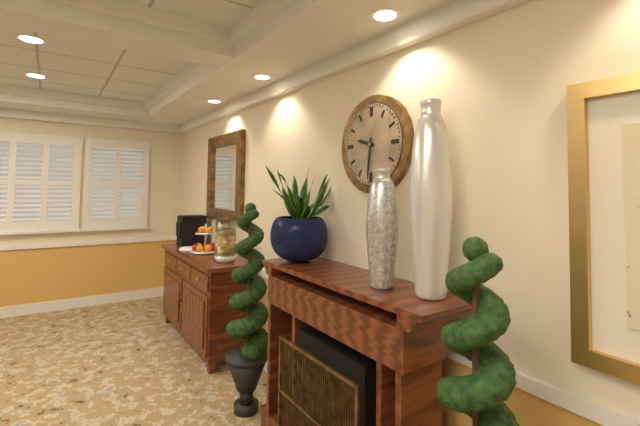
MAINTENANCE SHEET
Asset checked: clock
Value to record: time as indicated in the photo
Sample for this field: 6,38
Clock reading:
9,31
